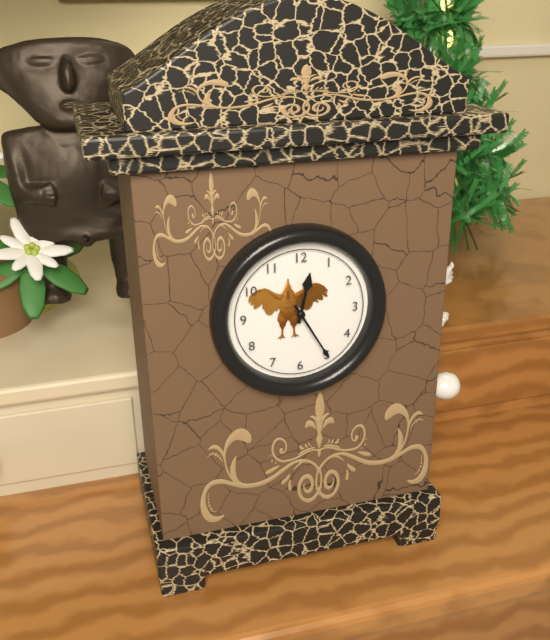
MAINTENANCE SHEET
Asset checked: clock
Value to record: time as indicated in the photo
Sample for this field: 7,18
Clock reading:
12,25
